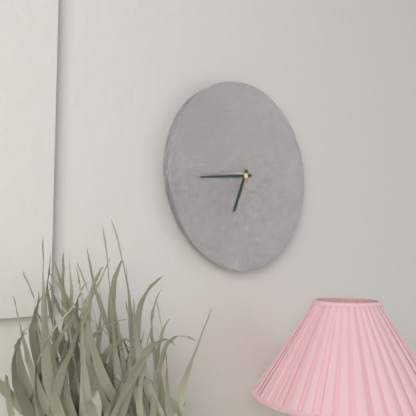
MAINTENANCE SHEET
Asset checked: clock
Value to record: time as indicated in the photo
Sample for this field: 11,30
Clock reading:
6,44
